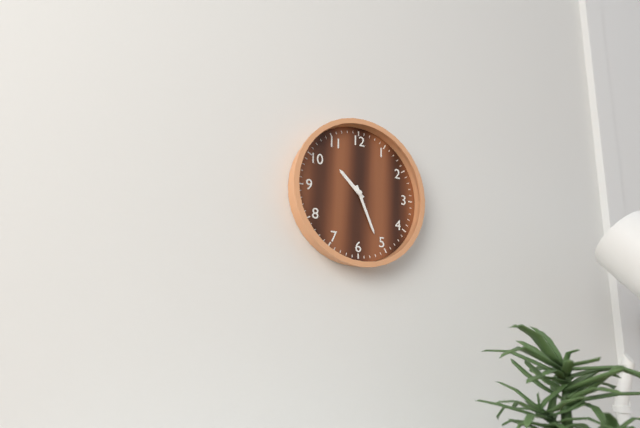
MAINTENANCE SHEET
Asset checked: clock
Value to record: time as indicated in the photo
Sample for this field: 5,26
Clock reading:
10,26
